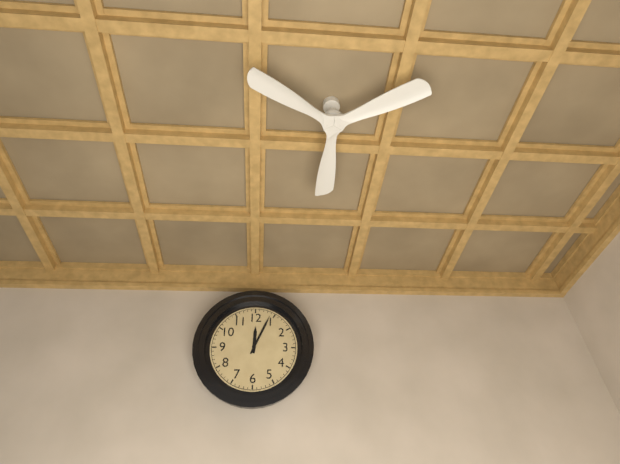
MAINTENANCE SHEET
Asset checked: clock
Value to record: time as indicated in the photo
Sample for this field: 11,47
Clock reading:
12,04
